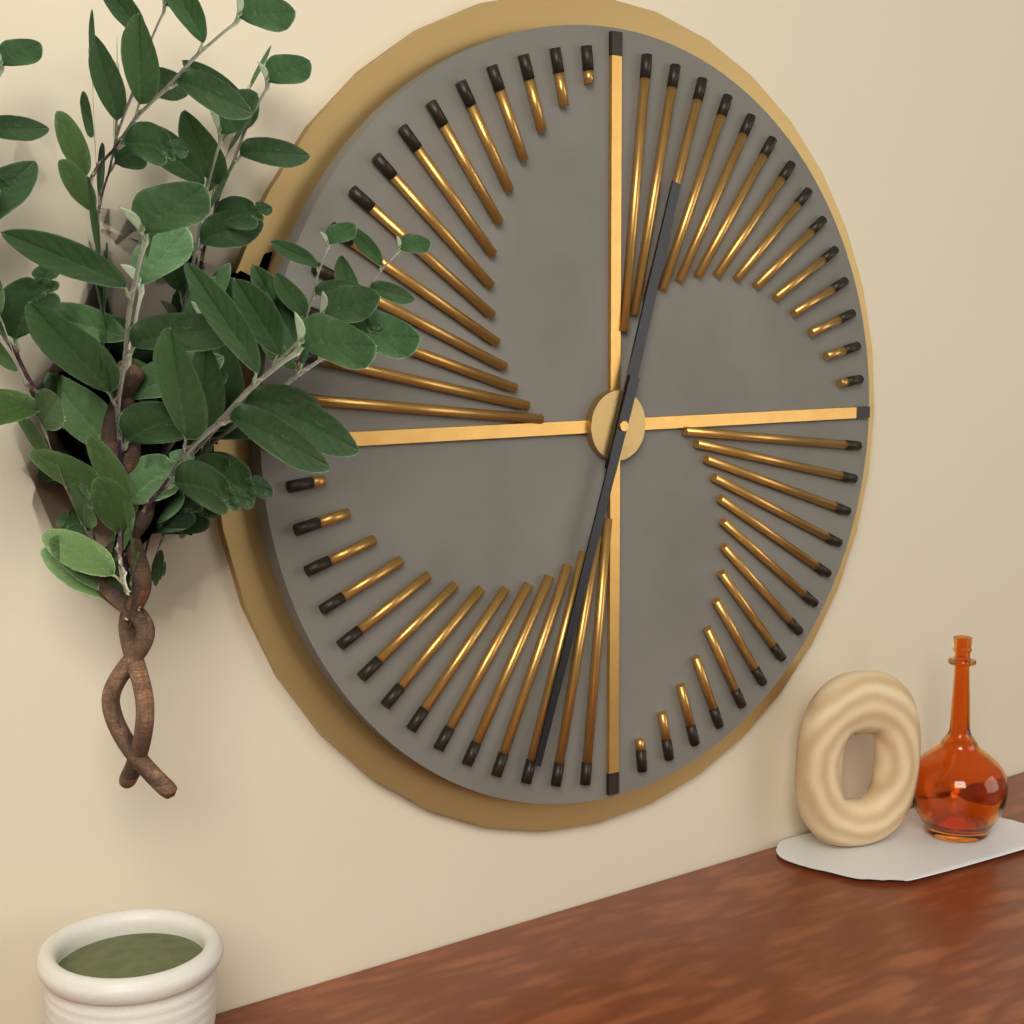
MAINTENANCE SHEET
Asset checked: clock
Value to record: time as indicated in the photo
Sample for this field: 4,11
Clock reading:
12,33
